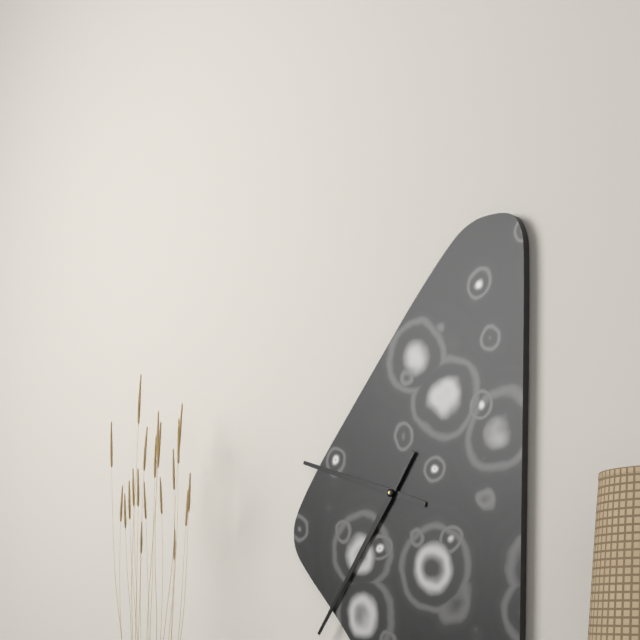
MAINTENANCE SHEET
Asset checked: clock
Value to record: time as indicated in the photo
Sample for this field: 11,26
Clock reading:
9,36
